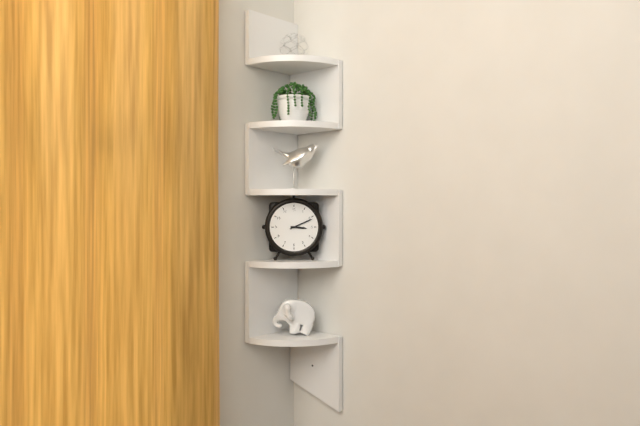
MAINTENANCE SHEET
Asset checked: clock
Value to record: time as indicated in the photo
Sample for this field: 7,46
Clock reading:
3,11
